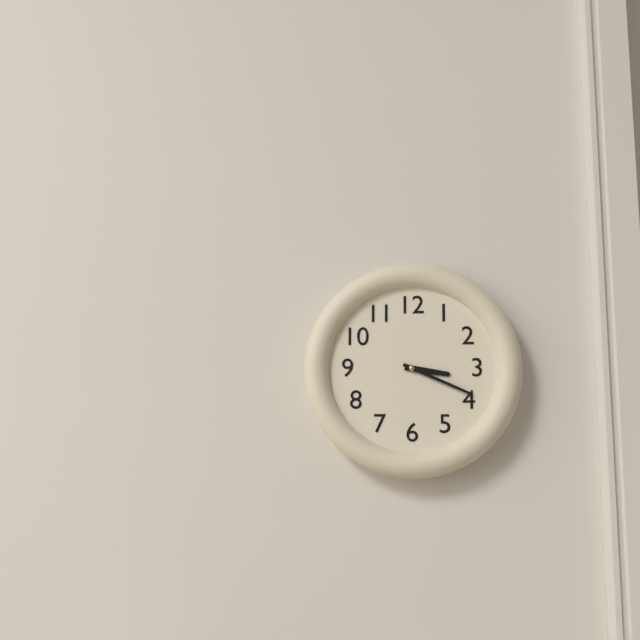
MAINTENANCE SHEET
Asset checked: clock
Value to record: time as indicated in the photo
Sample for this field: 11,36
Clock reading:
3,19
